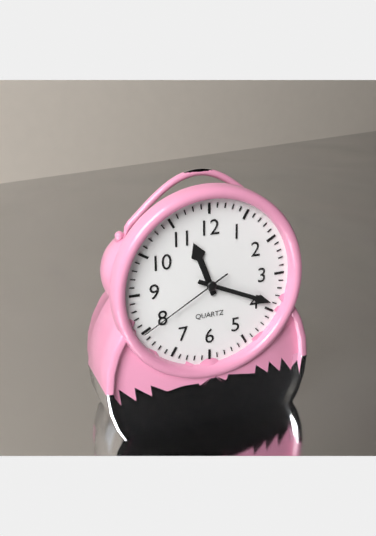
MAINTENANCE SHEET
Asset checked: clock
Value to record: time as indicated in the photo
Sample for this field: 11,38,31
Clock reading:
11,19,40
